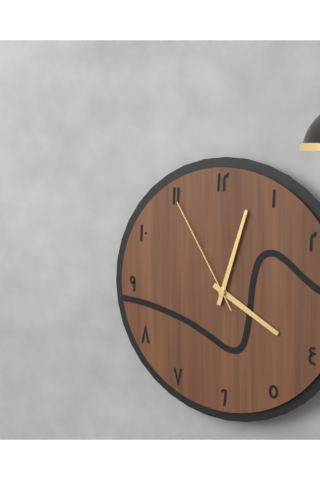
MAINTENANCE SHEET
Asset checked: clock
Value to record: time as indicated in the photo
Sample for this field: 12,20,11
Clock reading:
4,03,55
